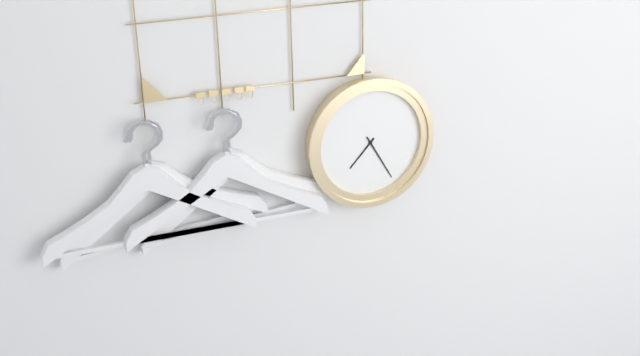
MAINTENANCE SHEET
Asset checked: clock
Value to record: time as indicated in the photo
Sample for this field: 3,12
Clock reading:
7,25
